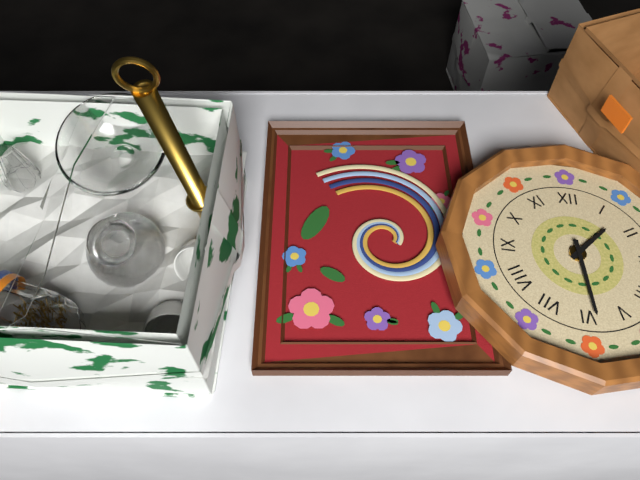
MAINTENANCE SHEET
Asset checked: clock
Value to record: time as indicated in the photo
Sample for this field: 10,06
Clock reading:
1,29
